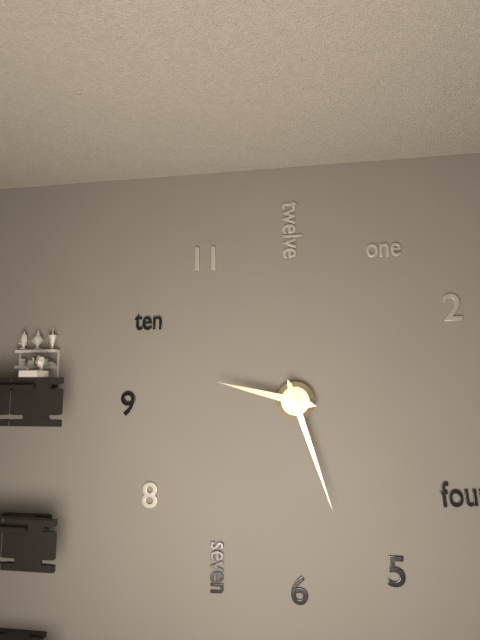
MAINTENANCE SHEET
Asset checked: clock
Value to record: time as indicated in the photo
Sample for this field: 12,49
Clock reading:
9,27
